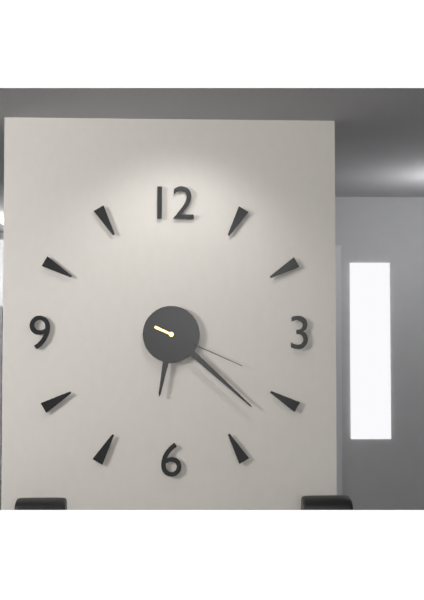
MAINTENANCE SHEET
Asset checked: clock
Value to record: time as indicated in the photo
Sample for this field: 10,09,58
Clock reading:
6,22,19
